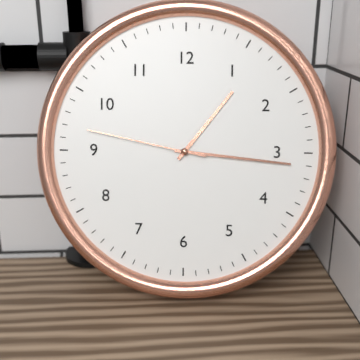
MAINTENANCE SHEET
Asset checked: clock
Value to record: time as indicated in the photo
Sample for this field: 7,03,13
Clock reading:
1,16,47
